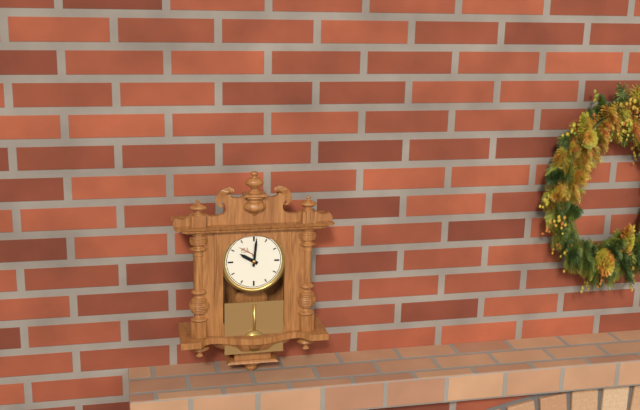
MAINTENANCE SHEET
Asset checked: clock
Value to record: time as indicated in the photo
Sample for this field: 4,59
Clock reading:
10,01
